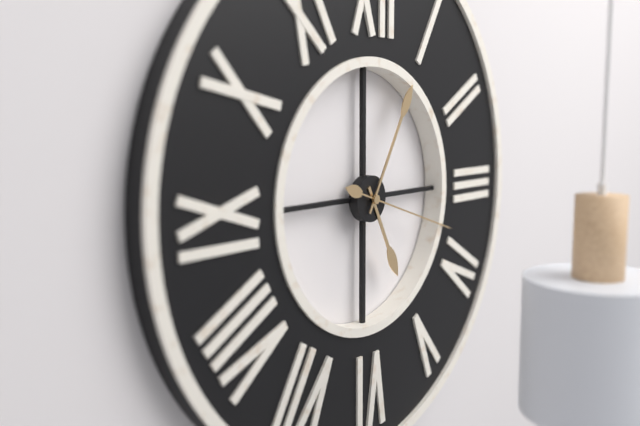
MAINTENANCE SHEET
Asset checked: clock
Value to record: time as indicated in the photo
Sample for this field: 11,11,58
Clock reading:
5,05,18
